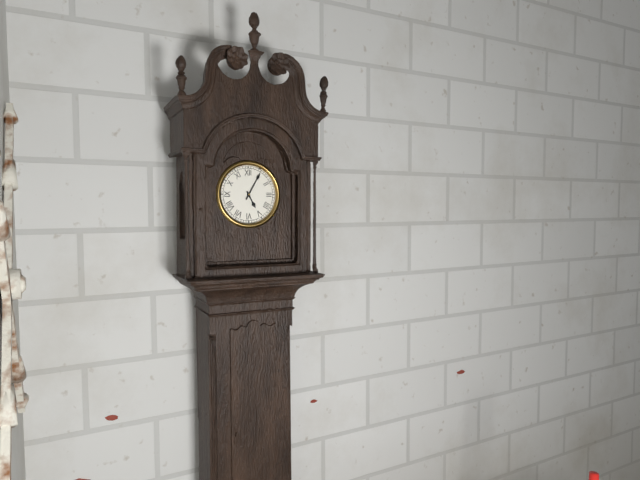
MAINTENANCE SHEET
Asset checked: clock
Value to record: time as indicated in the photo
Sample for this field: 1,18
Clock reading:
5,05
